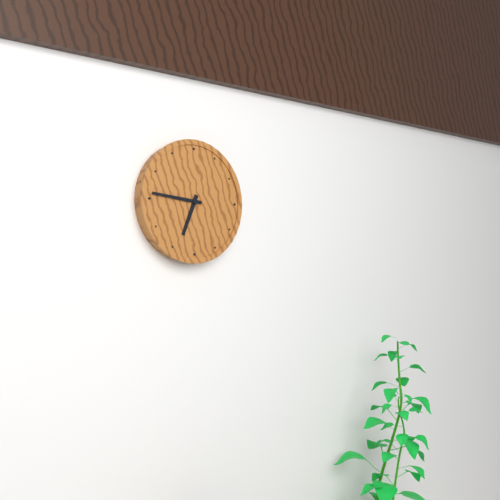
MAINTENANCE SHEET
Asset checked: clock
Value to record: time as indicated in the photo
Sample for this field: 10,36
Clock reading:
6,46
